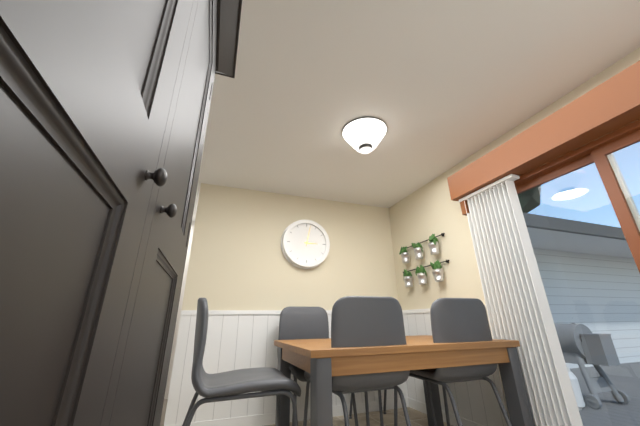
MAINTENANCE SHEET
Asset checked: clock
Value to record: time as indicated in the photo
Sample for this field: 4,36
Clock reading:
3,02
